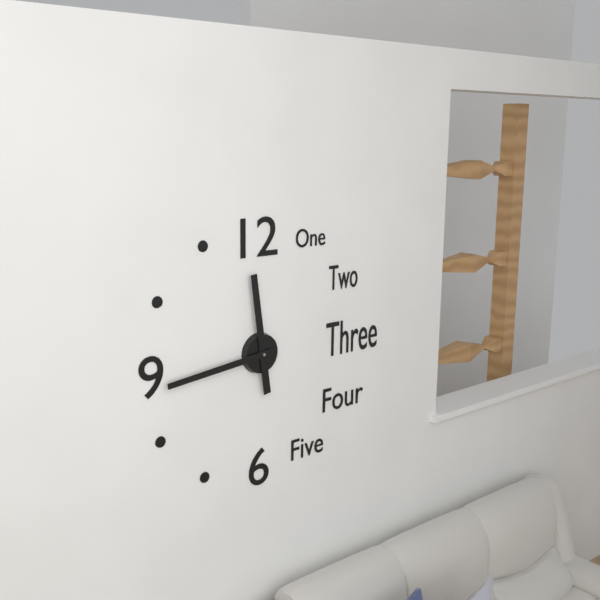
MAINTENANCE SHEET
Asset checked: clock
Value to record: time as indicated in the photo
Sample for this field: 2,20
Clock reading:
11,44
